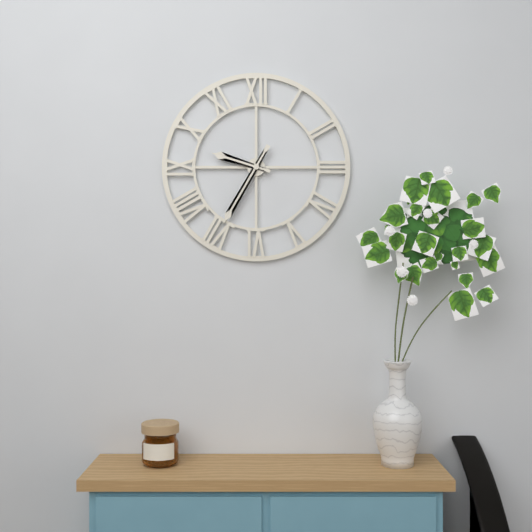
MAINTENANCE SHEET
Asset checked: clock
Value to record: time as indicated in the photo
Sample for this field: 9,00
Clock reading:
9,35
